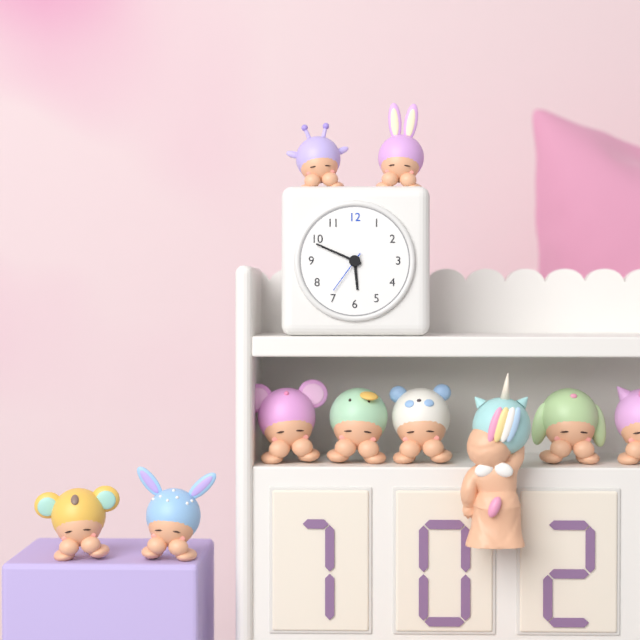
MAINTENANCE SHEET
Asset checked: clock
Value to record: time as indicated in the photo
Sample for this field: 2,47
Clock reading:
5,49
